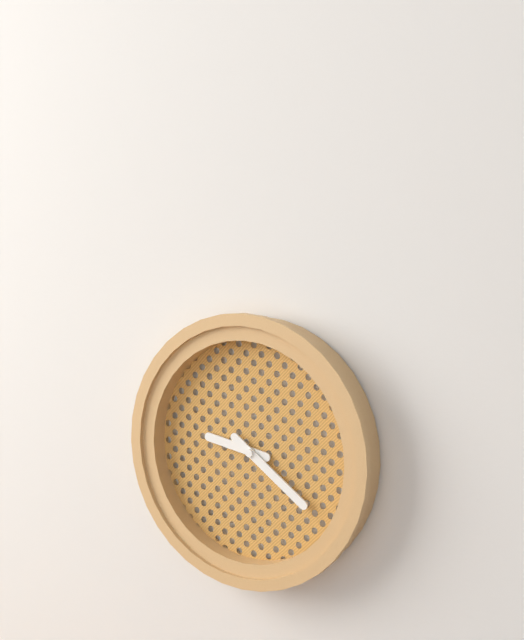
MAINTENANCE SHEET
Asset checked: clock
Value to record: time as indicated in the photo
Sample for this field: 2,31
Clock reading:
9,21
